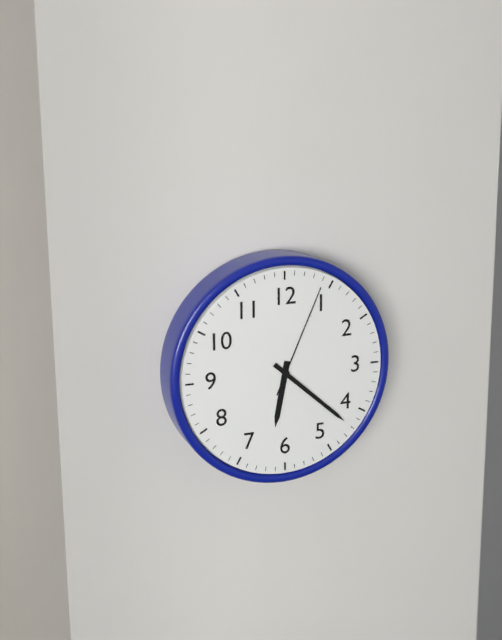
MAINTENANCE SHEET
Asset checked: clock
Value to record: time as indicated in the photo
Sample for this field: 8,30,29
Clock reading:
6,22,04
